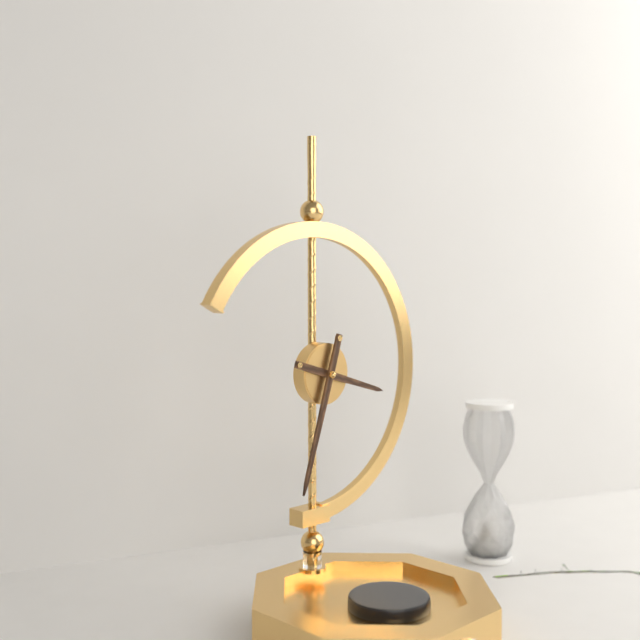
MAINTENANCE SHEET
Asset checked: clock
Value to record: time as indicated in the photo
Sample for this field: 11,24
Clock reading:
3,33
